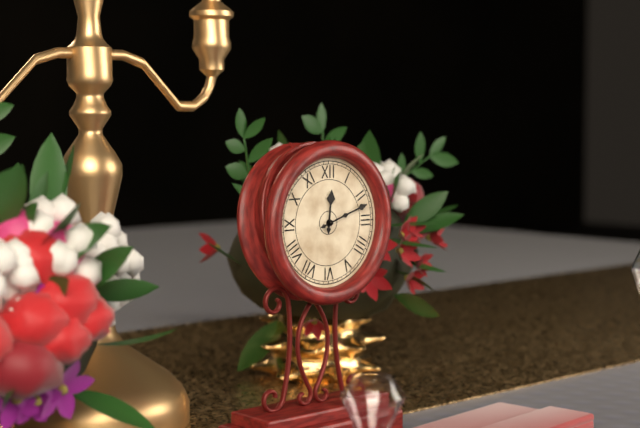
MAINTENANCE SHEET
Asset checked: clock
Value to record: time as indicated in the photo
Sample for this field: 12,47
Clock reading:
12,12
